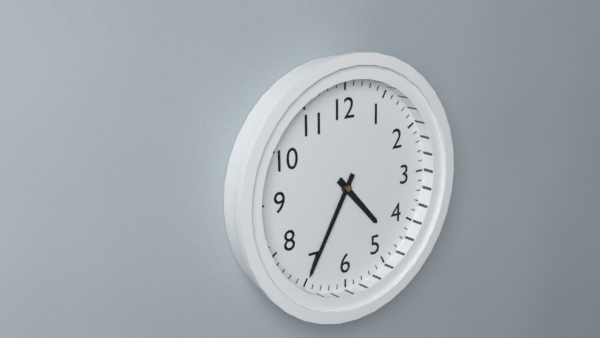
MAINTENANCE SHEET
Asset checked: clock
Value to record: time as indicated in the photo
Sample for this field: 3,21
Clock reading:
4,35
